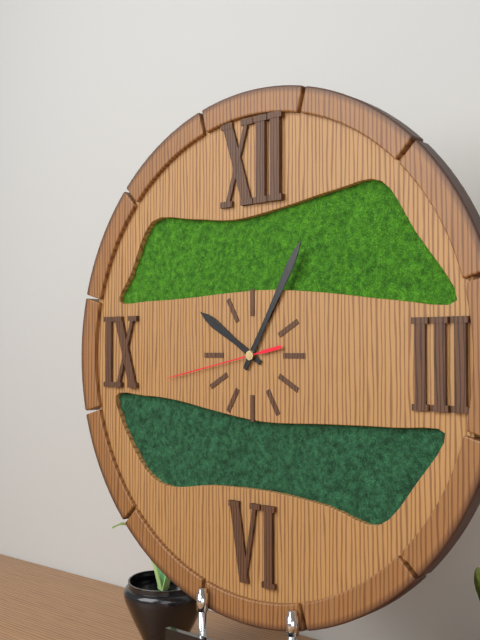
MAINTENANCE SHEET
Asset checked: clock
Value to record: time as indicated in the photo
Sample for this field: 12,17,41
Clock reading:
10,05,43
